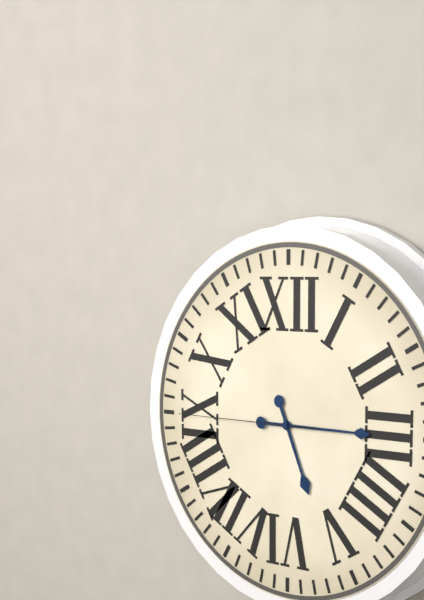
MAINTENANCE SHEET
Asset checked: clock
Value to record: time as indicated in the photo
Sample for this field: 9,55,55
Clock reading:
5,15,45
